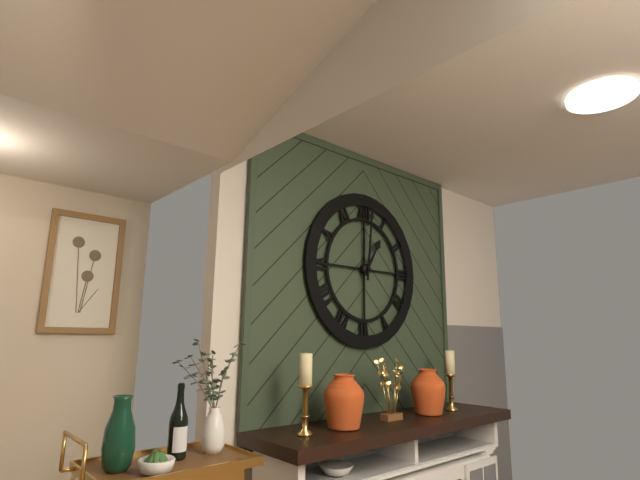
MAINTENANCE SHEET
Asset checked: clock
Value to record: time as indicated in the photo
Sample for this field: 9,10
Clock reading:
1,01
